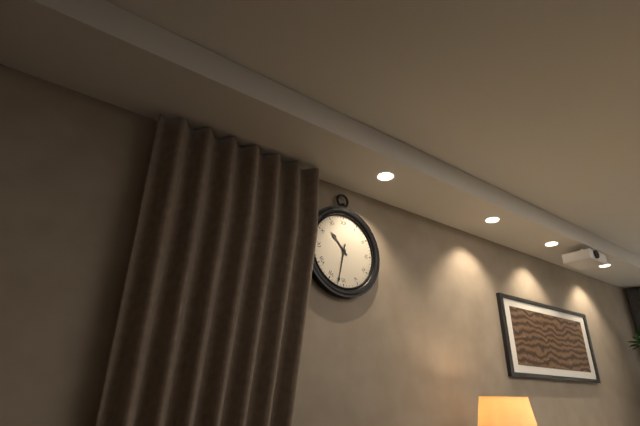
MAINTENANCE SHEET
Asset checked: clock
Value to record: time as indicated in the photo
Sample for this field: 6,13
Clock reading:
10,32
